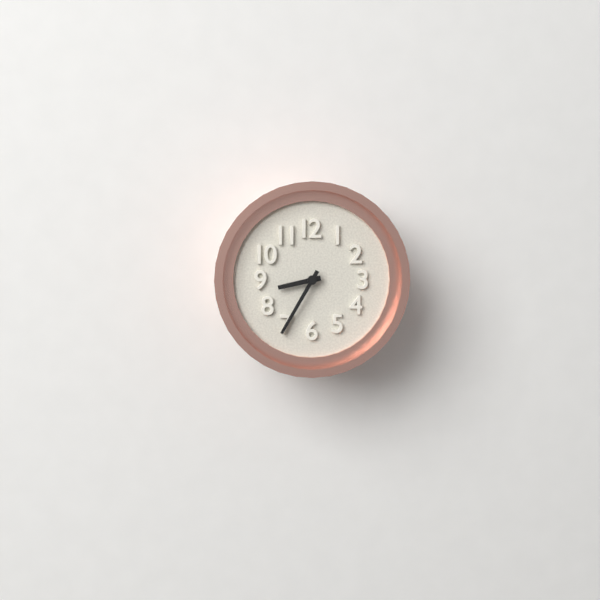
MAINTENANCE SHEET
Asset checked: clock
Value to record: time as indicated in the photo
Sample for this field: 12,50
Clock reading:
8,35
